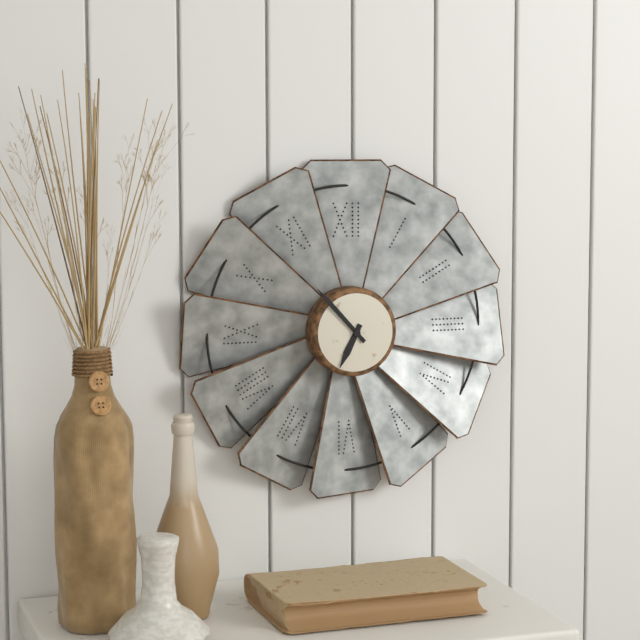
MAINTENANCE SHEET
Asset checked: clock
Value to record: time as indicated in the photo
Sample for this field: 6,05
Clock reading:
6,53
